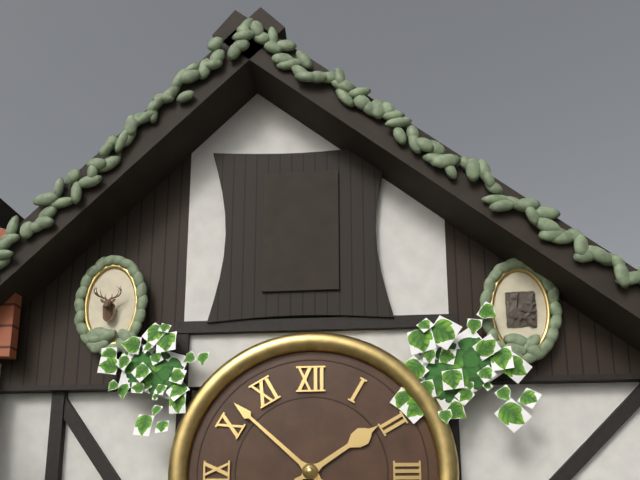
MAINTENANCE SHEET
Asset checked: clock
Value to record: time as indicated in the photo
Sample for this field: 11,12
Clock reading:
1,52
